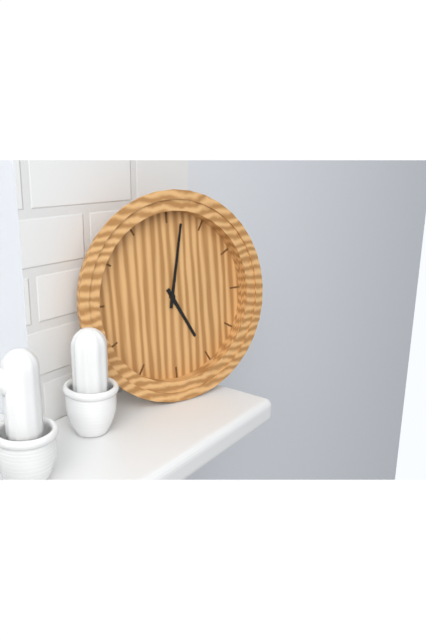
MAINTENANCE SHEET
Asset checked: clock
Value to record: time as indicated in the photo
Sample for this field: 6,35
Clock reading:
5,02
